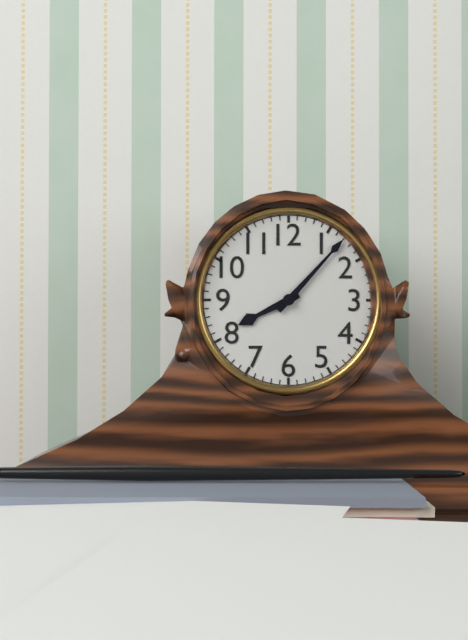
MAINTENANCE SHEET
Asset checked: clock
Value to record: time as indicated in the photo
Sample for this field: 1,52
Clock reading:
8,07
